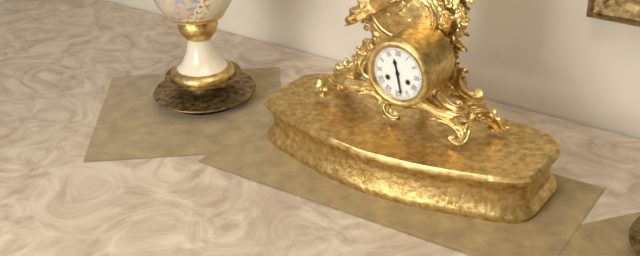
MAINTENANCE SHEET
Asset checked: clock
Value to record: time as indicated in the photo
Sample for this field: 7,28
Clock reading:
11,28
